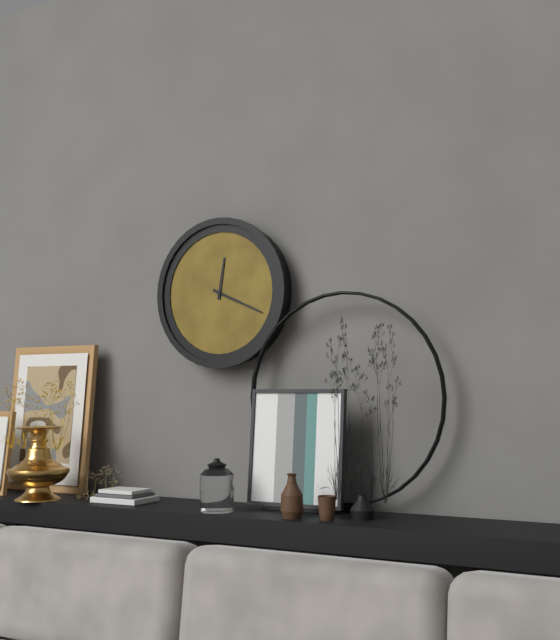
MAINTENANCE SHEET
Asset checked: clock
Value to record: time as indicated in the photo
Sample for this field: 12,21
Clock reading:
12,19
